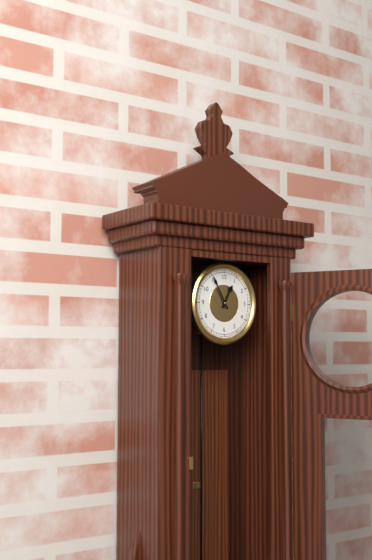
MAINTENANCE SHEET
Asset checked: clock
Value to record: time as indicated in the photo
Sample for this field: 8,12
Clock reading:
12,55
